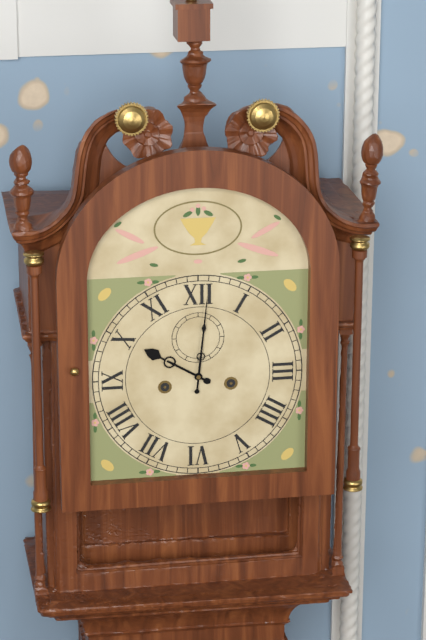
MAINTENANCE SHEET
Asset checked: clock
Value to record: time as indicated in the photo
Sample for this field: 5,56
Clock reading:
10,01
